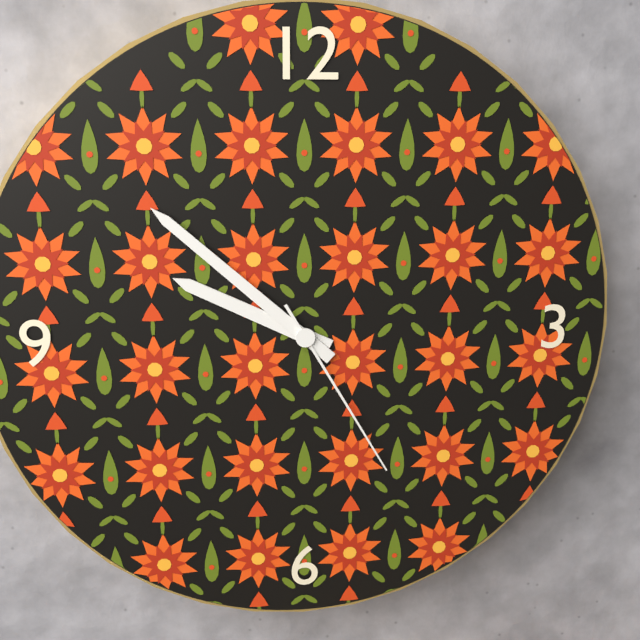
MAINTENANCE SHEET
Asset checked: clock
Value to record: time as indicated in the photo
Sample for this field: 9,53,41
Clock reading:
9,52,25
